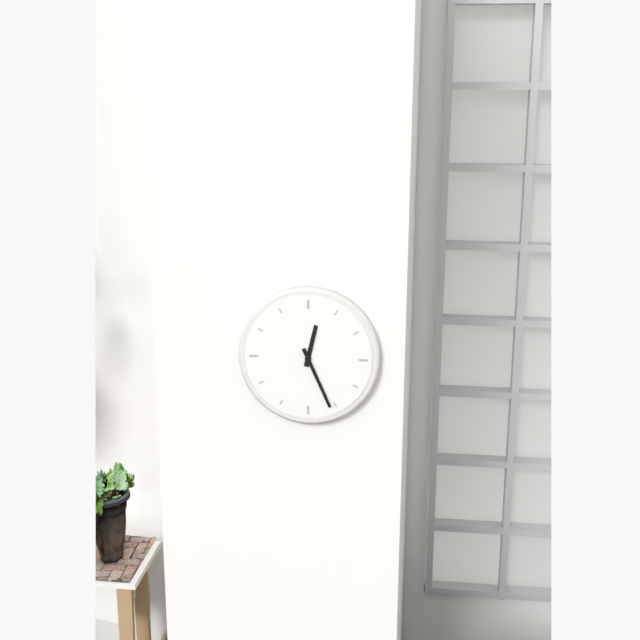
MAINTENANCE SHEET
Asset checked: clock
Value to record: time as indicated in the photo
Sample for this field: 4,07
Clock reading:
12,26
